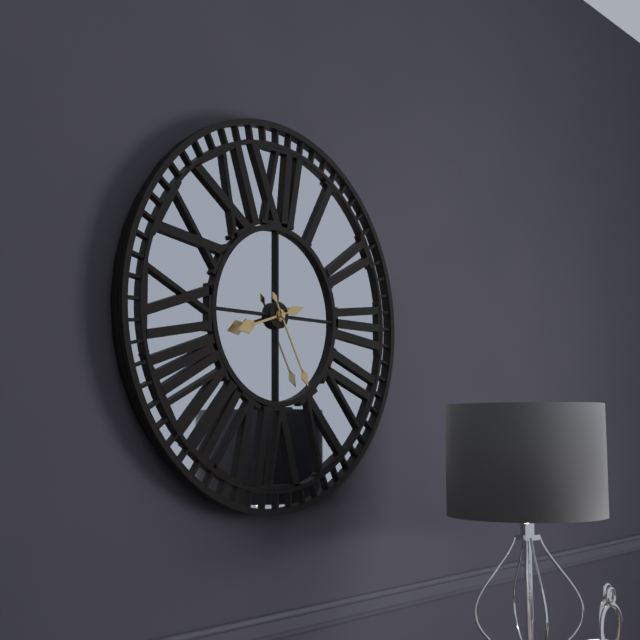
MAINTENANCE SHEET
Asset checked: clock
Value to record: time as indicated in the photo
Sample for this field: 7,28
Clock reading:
8,25
